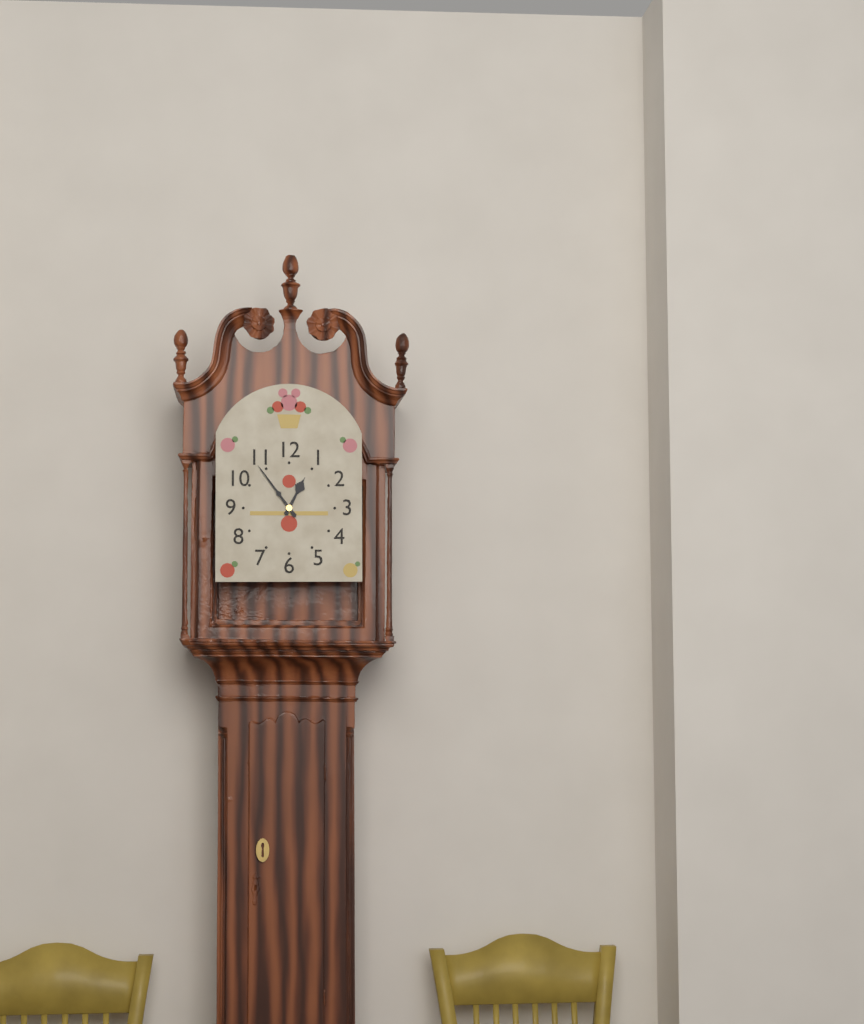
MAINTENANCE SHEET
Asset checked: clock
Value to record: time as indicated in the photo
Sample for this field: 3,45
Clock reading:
12,54
